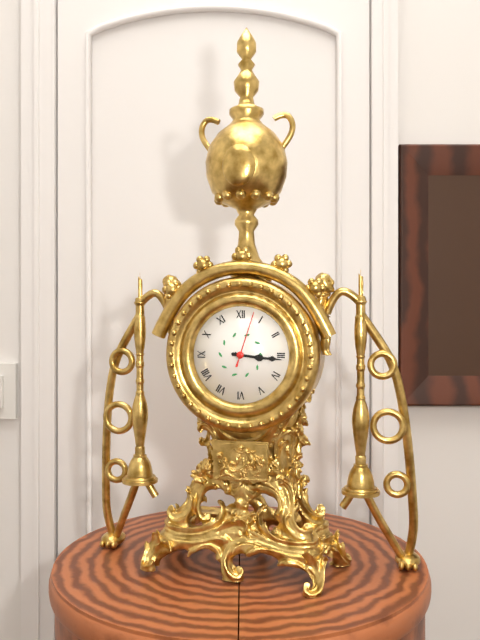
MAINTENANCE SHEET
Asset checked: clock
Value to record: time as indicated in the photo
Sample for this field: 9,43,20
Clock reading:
3,16,03
